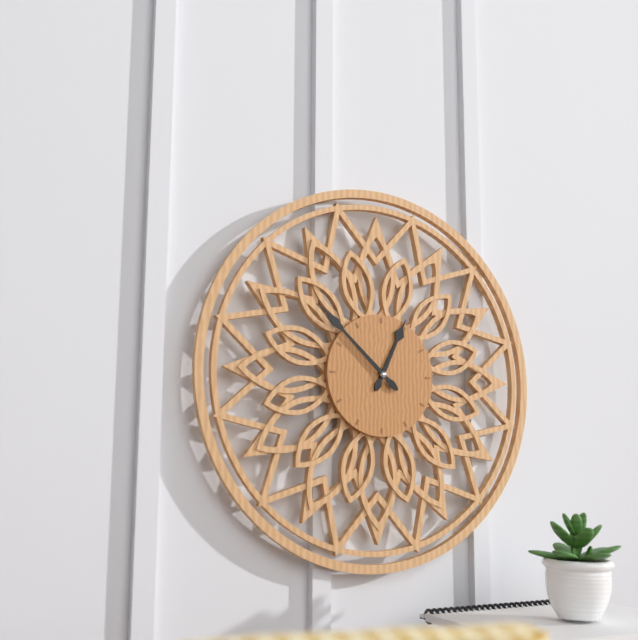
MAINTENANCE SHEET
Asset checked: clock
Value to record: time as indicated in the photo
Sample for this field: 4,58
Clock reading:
12,52
